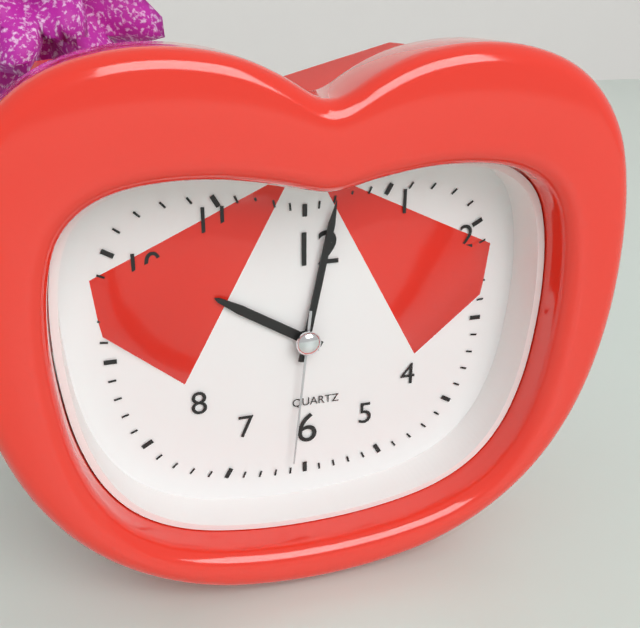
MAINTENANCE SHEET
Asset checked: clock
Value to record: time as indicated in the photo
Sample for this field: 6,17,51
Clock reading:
10,02,31
